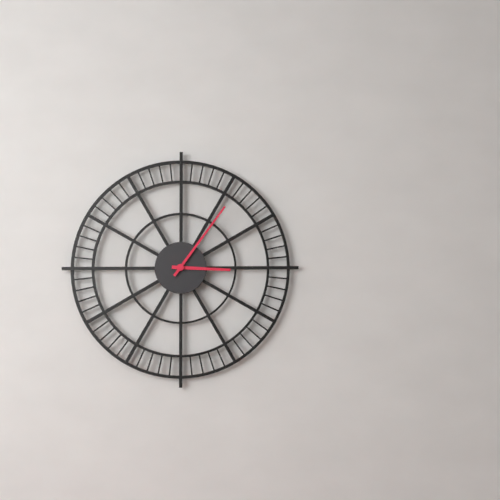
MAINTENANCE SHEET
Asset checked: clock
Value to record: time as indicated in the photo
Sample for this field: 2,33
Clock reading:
3,06
